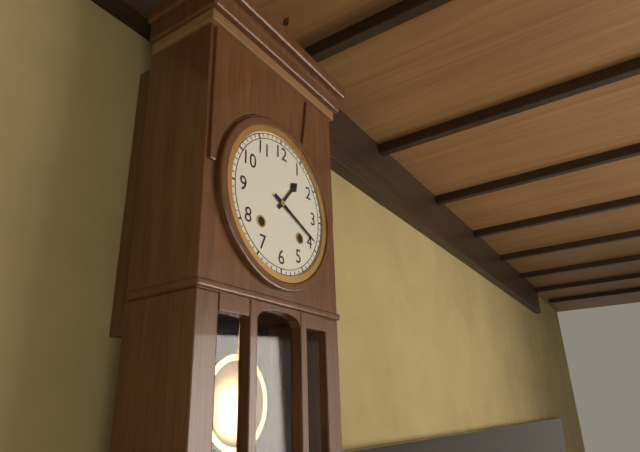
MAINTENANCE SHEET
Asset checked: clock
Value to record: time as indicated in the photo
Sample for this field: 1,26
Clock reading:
1,19
